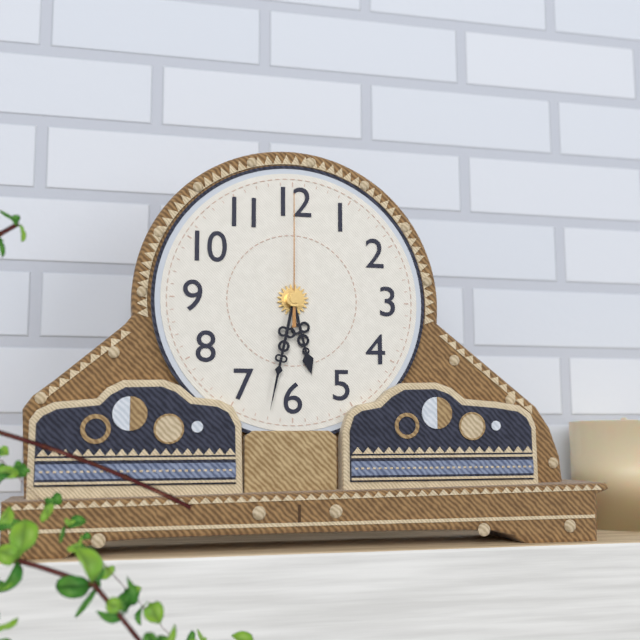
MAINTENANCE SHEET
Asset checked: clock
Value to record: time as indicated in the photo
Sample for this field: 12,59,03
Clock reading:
5,32,00
